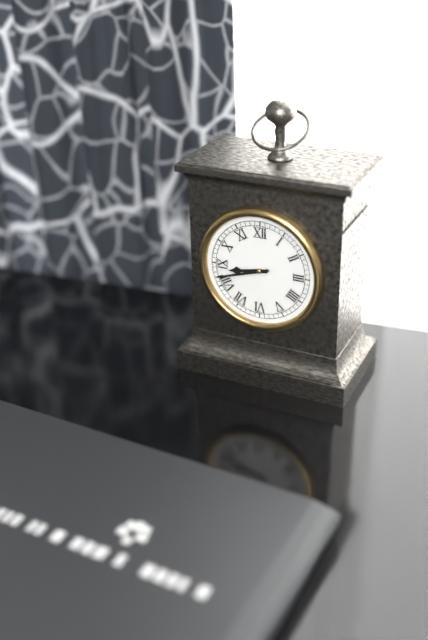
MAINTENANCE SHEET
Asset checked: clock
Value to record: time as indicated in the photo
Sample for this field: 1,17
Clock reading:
8,42
